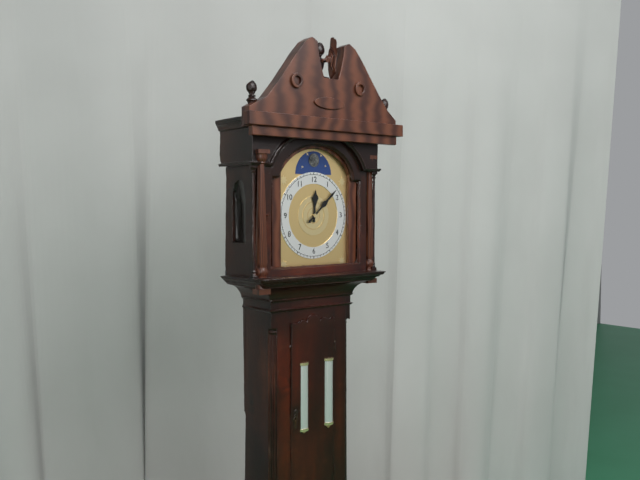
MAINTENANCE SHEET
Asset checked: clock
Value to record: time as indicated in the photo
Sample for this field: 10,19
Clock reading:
12,08
